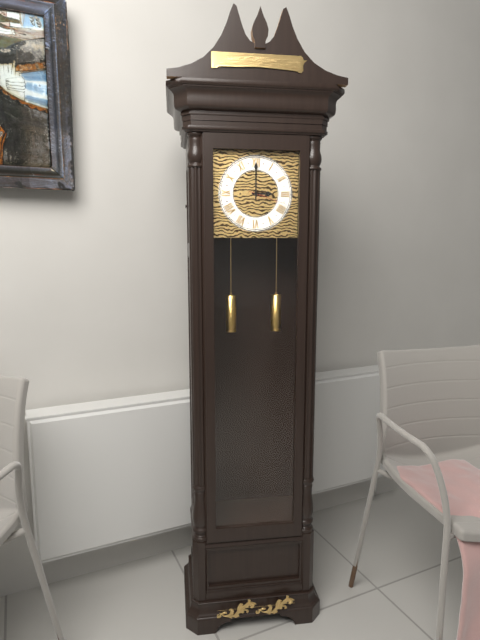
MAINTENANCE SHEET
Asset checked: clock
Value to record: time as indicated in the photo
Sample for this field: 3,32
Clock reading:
3,00
